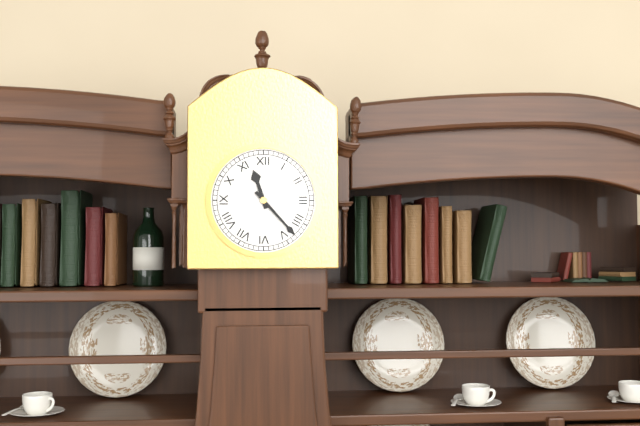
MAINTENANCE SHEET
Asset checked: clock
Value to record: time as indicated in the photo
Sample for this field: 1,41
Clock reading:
11,23
